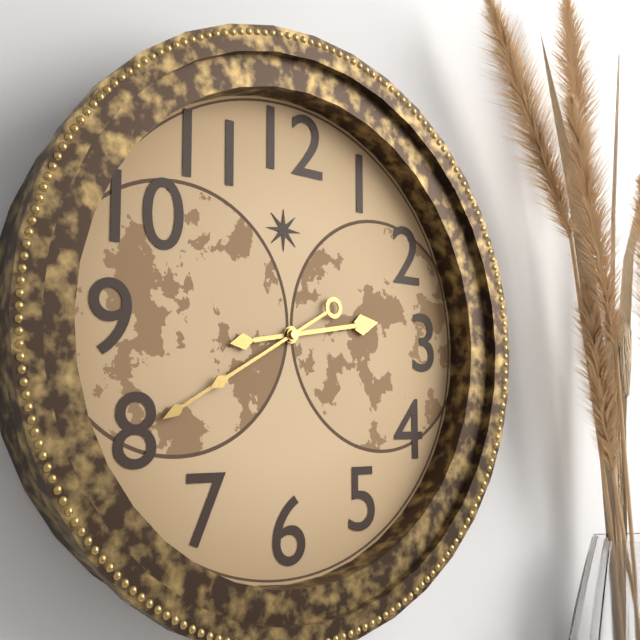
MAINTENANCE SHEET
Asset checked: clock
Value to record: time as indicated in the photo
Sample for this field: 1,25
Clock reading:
2,40
